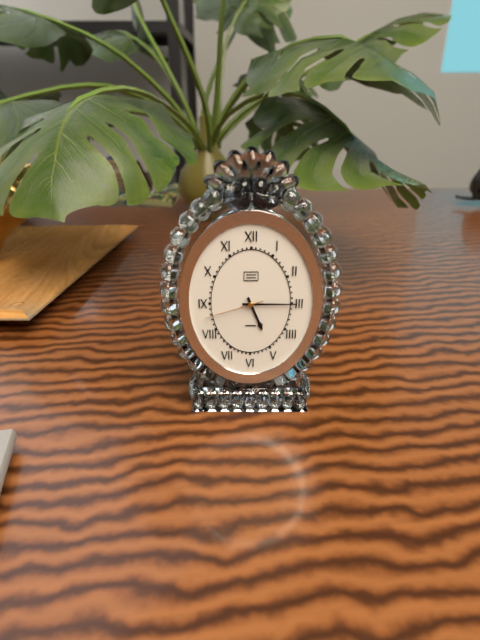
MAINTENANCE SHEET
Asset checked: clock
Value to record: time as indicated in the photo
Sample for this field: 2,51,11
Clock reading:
5,15,42
